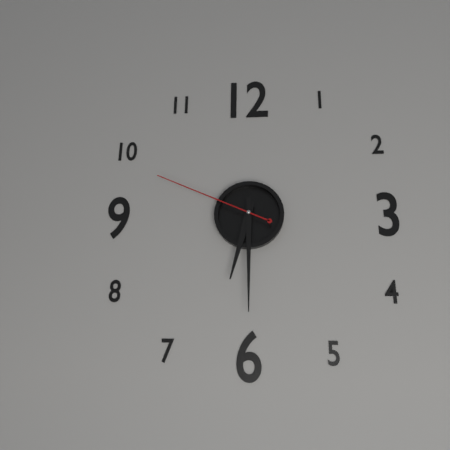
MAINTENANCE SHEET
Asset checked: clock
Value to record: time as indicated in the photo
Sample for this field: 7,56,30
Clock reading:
6,30,49
